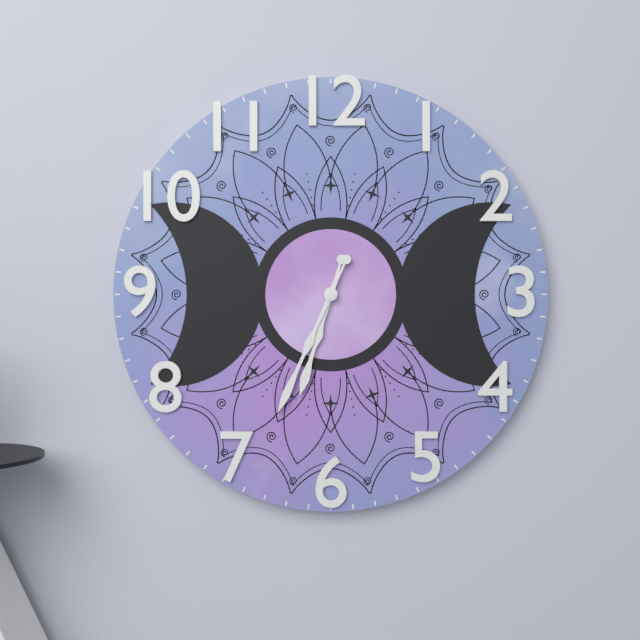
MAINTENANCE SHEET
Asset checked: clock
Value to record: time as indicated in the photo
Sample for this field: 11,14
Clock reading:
6,34
